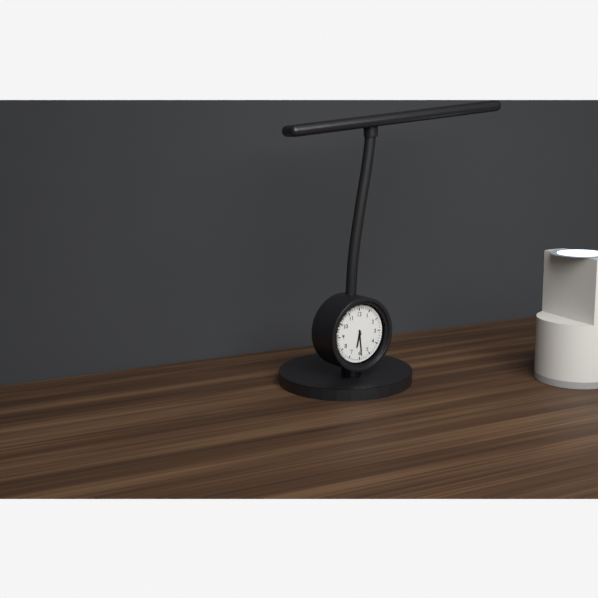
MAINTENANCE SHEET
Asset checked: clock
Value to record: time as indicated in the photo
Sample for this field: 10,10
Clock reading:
6,29
